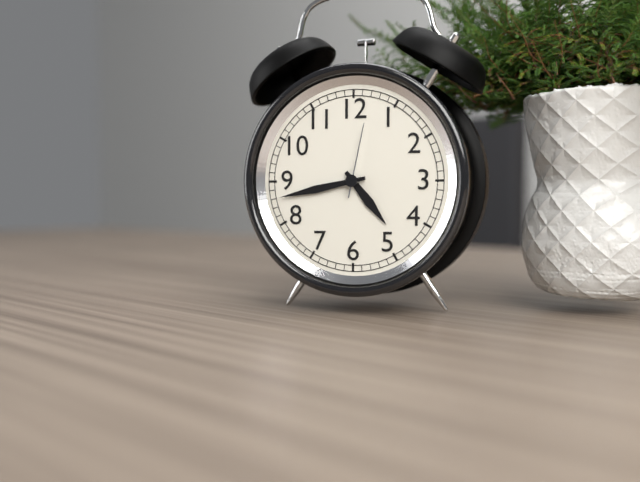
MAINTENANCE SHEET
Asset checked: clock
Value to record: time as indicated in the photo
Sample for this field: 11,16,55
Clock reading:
4,43,02
